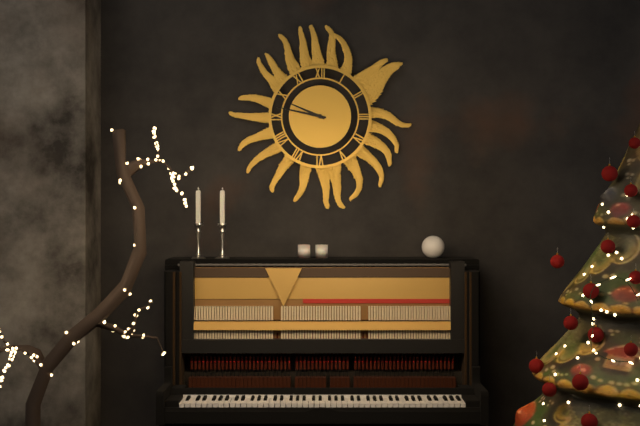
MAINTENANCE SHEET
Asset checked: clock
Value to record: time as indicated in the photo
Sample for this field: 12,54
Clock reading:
9,47
